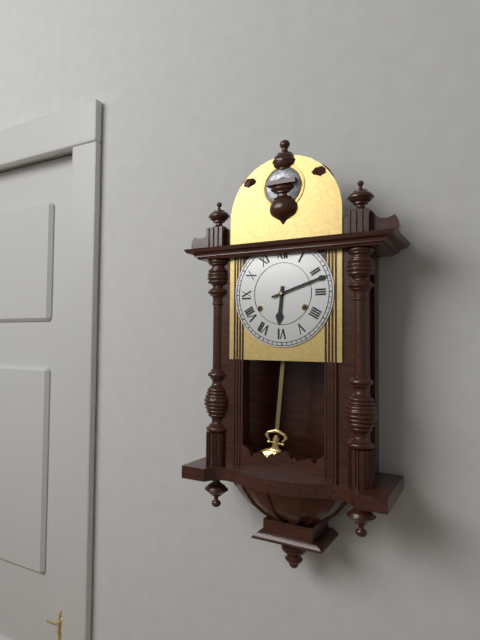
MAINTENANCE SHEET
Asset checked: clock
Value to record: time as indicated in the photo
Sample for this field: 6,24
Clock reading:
6,12
